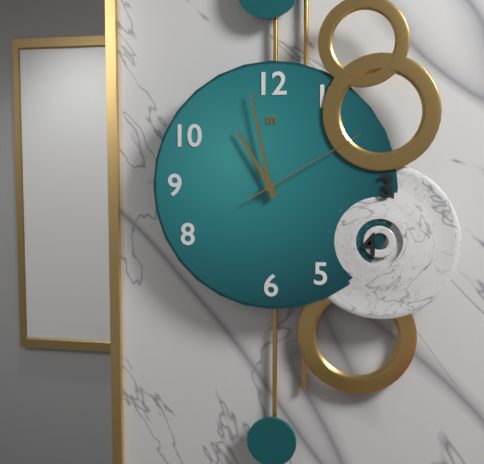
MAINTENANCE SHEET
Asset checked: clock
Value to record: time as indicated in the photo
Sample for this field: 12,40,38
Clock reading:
10,58,10
